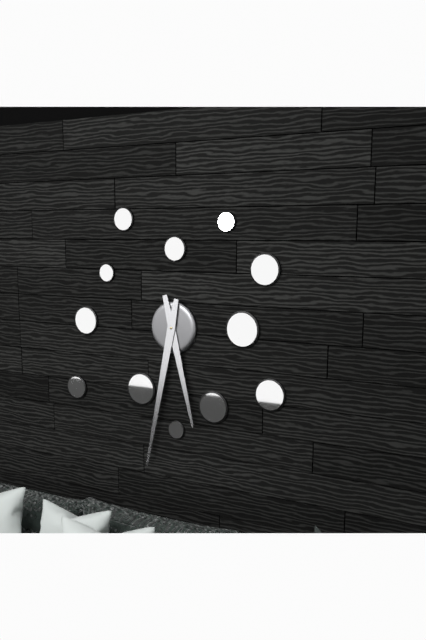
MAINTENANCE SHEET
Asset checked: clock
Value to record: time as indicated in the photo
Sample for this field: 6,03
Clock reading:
5,32
